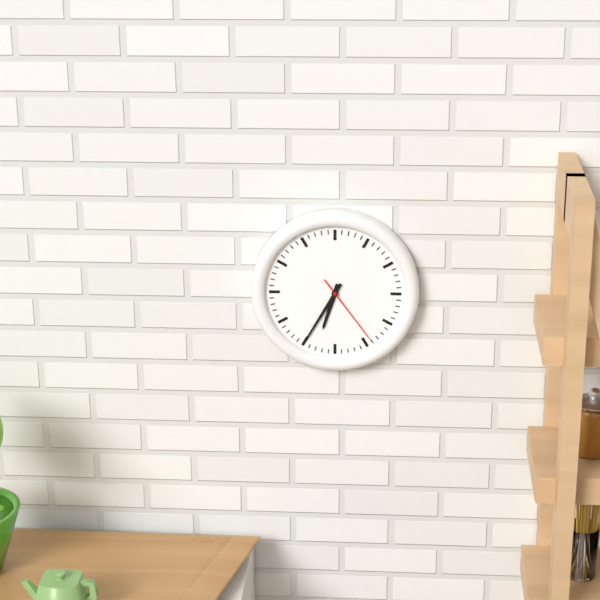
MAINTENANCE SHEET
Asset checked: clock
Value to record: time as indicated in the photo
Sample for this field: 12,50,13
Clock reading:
6,35,24
